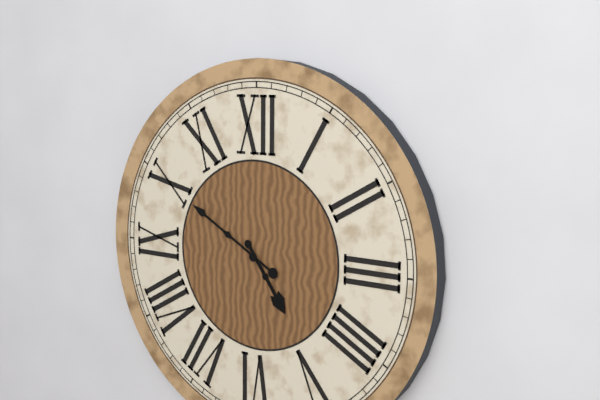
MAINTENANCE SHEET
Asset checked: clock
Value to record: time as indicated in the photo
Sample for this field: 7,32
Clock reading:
4,50
